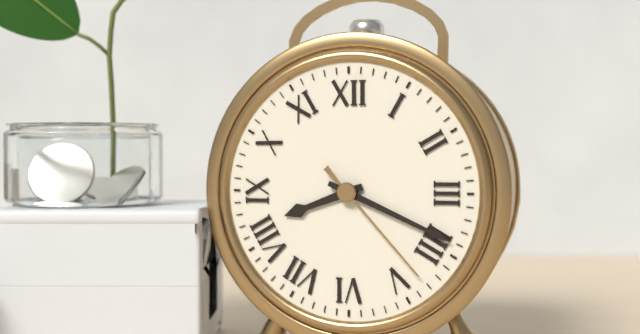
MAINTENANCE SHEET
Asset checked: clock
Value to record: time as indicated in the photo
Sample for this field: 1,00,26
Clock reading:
8,19,23
